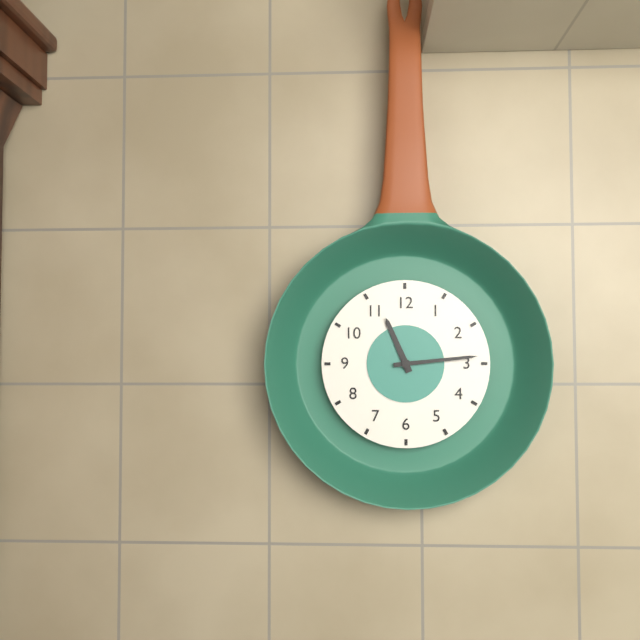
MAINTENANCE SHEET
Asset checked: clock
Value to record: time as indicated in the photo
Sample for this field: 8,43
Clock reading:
11,14
